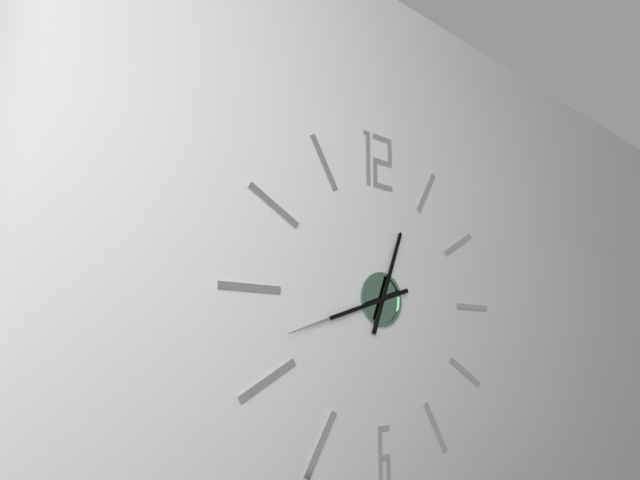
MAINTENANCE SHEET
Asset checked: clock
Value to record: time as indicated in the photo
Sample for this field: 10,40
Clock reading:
12,42
